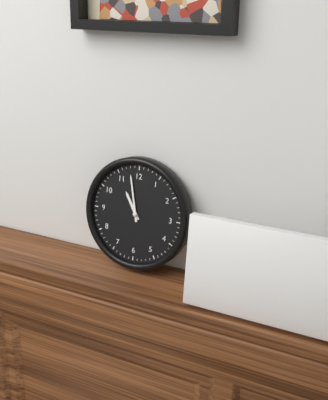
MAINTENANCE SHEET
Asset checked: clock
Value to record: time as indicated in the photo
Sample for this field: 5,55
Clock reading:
10,58
